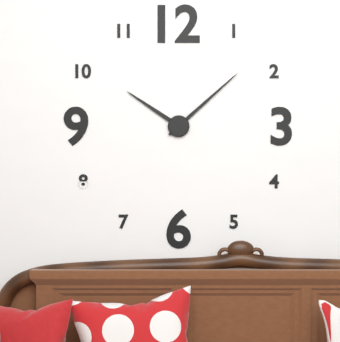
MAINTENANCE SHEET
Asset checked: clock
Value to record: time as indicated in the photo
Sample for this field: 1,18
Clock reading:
10,08
